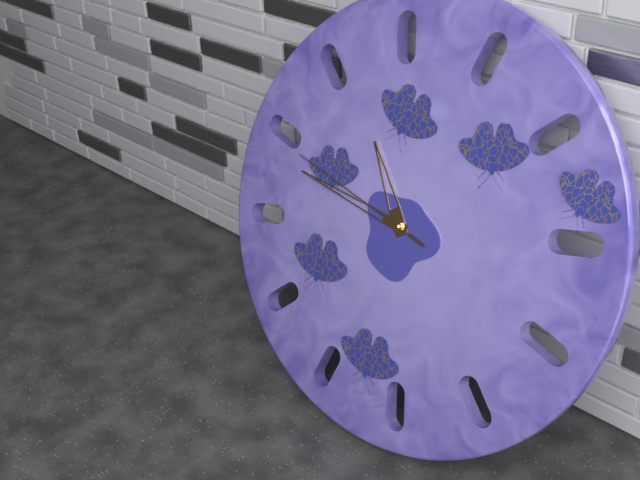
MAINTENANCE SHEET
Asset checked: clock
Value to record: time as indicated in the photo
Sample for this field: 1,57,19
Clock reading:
10,46,47
